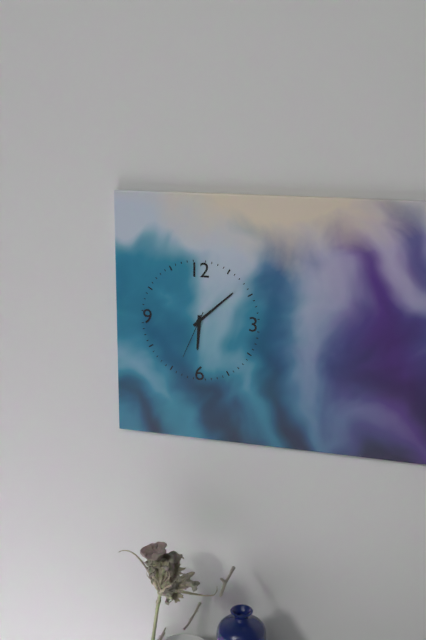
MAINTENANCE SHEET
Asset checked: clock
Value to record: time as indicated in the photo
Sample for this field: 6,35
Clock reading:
6,08
